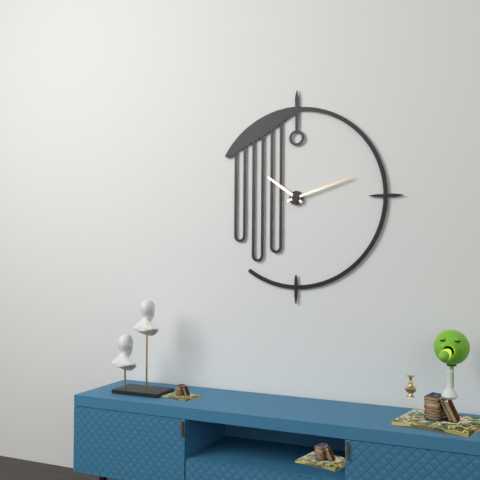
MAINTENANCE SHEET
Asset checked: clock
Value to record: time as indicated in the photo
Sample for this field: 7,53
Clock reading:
10,12
